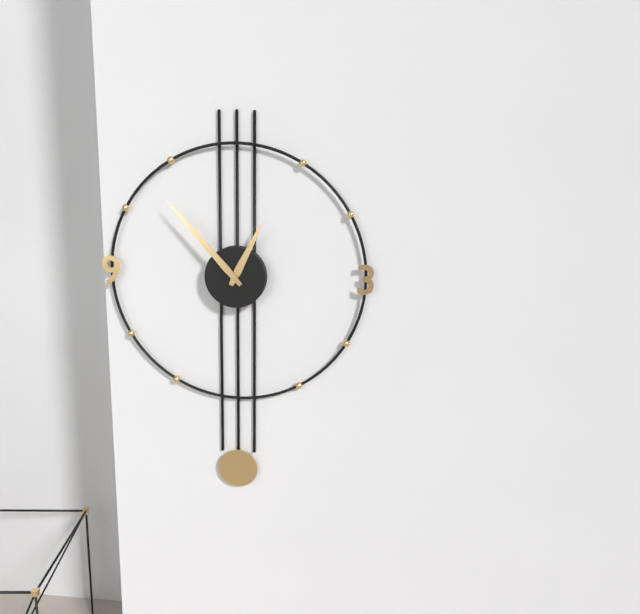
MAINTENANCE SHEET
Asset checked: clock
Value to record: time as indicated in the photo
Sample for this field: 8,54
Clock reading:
12,53
